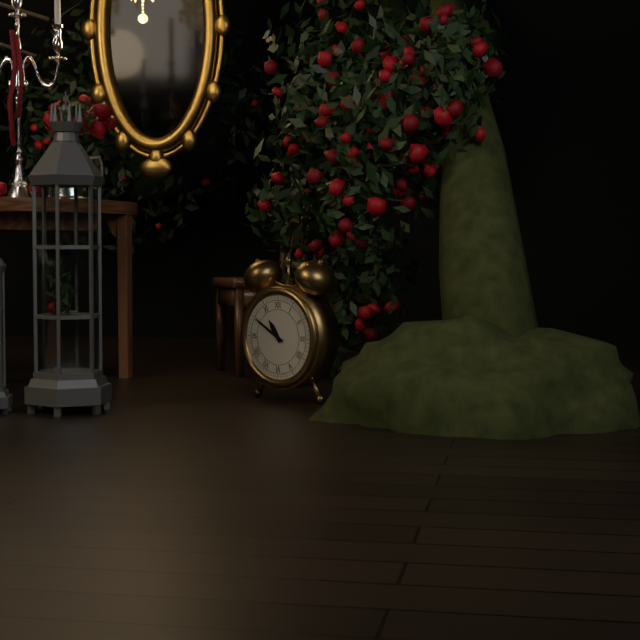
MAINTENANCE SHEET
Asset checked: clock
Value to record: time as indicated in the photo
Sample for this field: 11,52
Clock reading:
10,50
